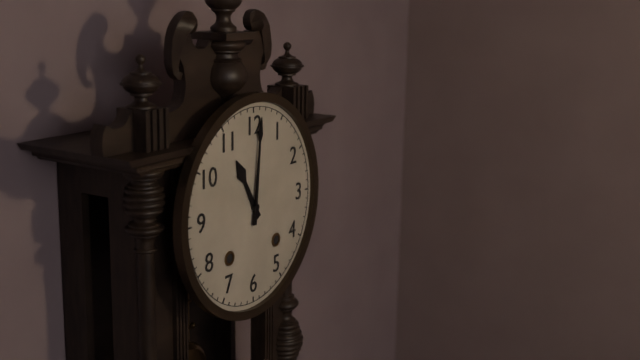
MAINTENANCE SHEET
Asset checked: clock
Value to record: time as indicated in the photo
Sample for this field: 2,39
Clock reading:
11,01
